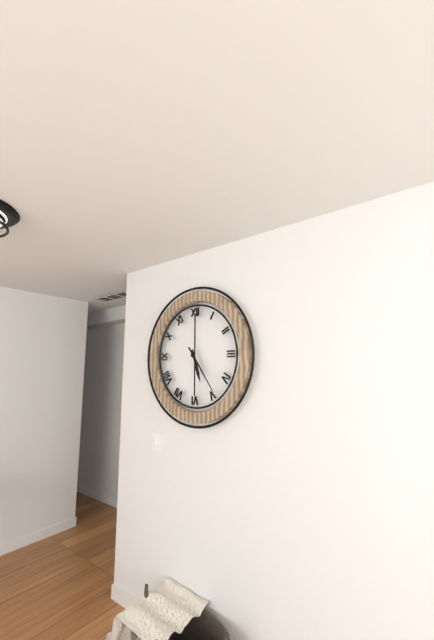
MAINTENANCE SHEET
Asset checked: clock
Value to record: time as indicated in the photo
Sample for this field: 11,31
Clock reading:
5,24
